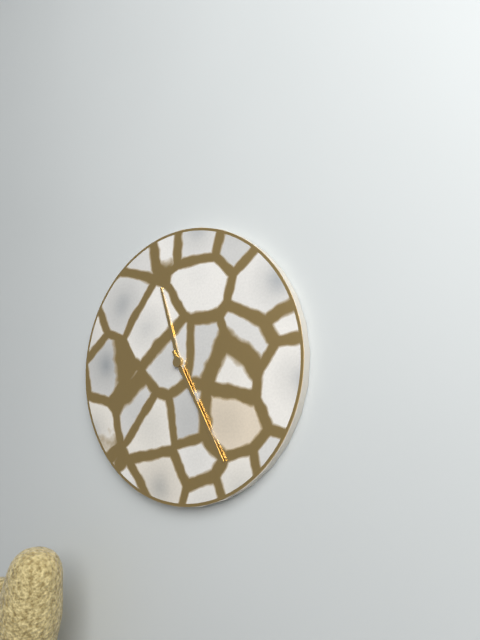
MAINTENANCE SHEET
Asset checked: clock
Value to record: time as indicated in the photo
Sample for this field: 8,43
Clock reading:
11,25
